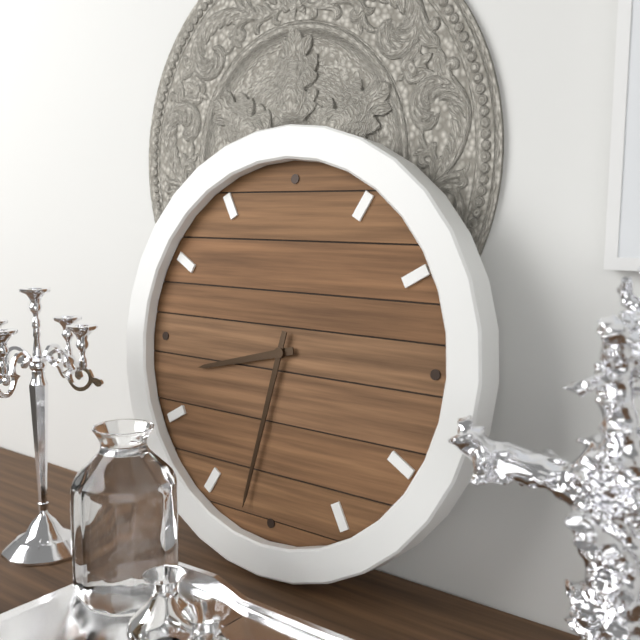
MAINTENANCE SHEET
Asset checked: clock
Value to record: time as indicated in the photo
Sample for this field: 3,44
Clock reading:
8,32
